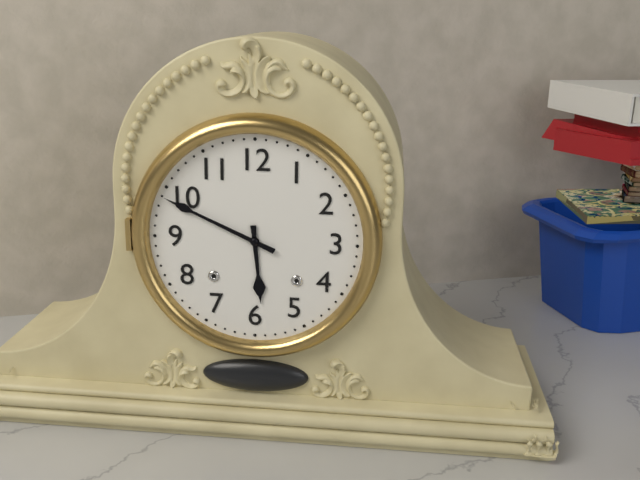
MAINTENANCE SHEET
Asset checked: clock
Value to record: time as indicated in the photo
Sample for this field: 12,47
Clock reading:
5,49
